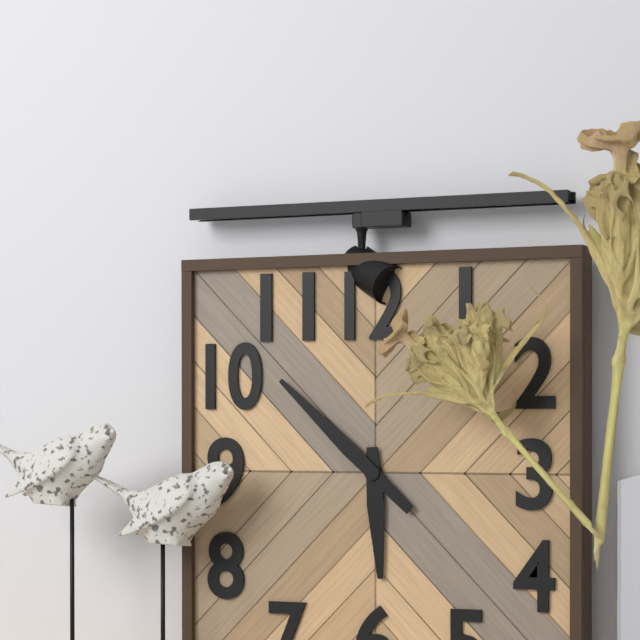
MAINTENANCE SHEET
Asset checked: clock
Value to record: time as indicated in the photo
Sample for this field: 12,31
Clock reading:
5,52
